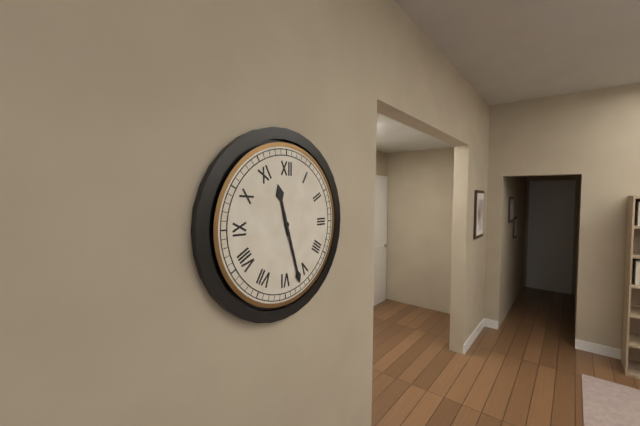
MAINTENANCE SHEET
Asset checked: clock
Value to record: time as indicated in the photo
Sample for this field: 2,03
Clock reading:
11,27
